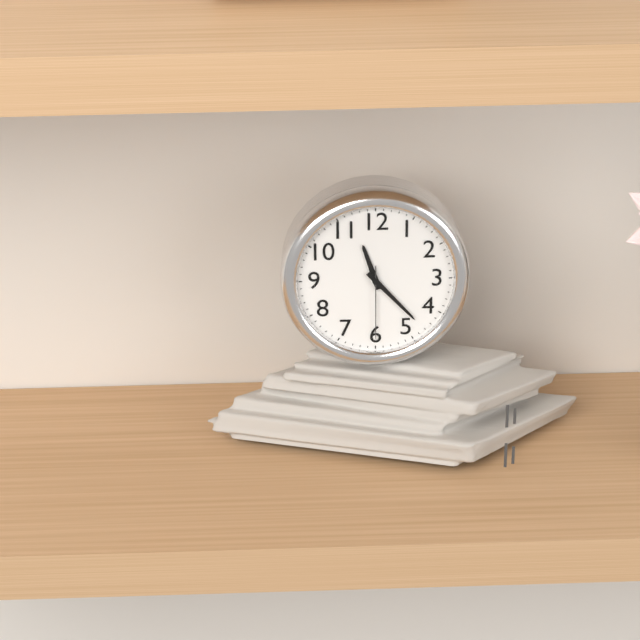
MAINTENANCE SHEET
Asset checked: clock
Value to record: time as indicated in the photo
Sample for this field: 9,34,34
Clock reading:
11,23,30
